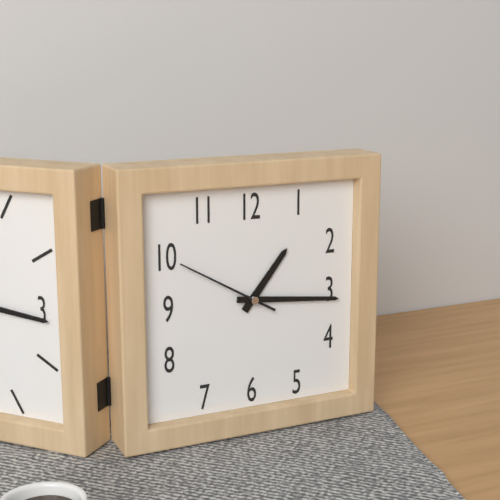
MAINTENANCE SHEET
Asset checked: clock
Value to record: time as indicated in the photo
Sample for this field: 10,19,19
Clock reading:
1,16,50
